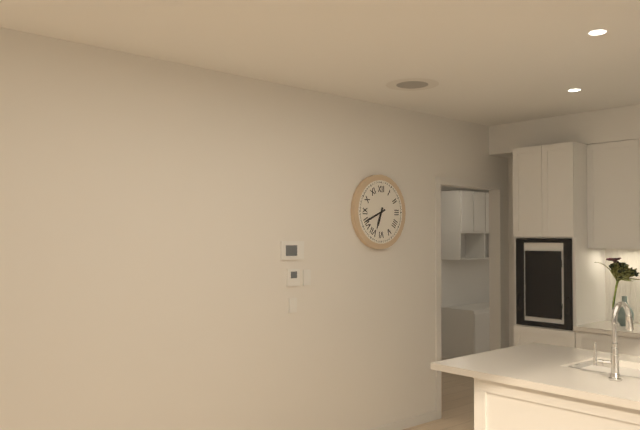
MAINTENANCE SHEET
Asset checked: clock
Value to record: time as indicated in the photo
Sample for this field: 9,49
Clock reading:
6,41
